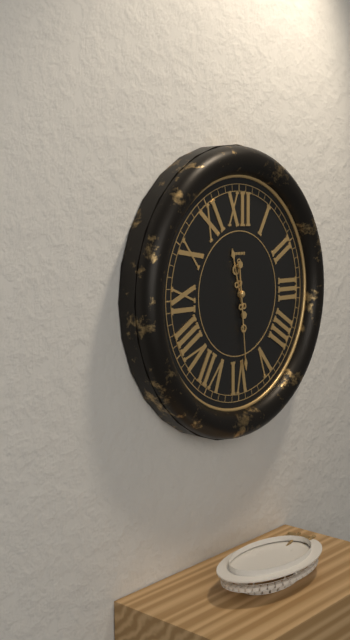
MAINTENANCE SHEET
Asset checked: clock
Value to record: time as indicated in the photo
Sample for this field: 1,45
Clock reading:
11,29
